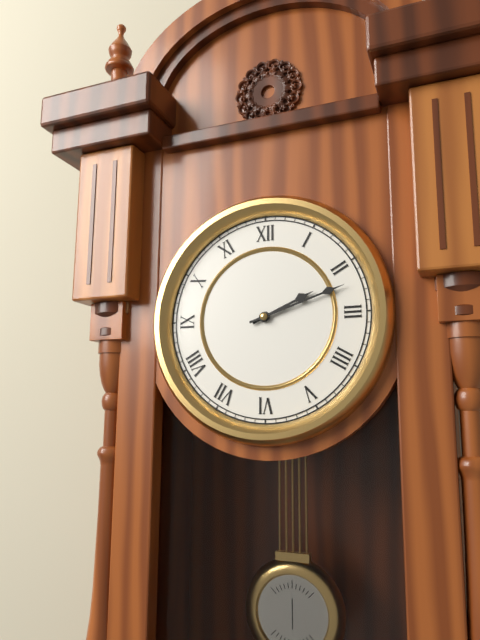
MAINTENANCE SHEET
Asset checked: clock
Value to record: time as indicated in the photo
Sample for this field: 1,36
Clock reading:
2,12
